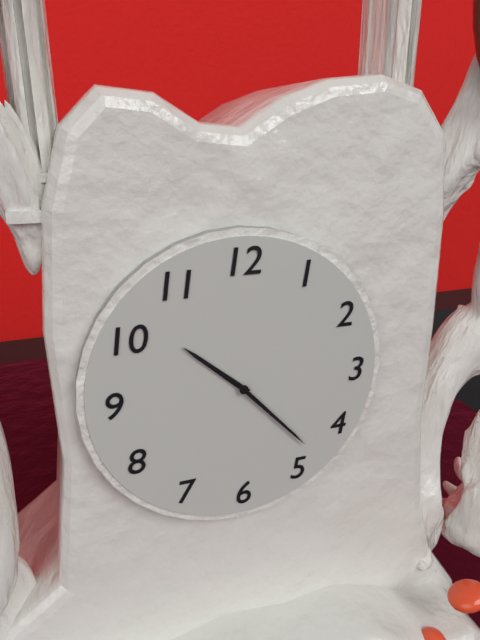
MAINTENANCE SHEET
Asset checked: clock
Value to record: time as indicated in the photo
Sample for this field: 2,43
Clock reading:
10,23
